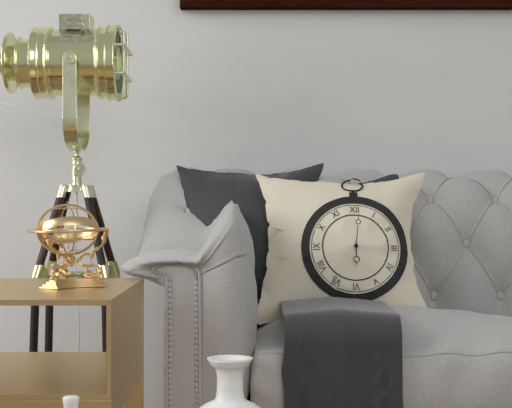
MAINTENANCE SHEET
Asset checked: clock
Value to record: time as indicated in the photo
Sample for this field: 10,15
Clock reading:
6,01
